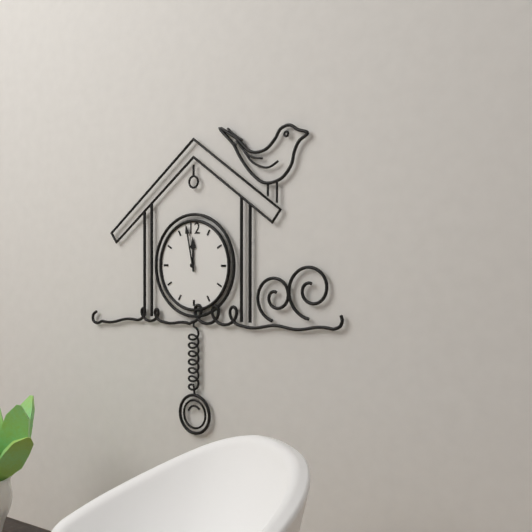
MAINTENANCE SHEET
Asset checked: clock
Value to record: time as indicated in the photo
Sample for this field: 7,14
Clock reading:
11,58
